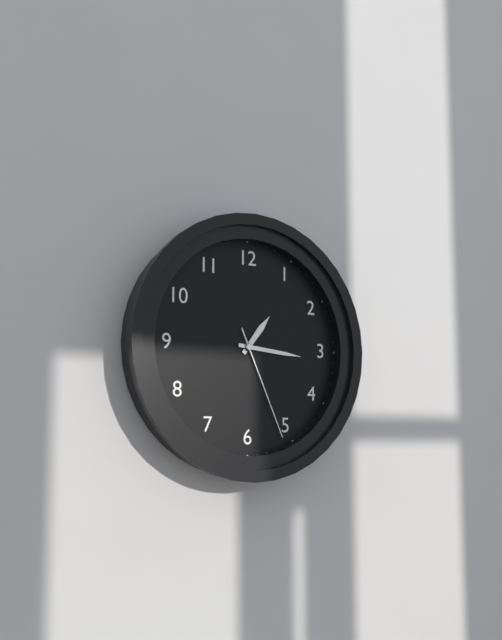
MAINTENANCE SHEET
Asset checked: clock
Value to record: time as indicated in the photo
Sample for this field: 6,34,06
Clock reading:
1,16,26
